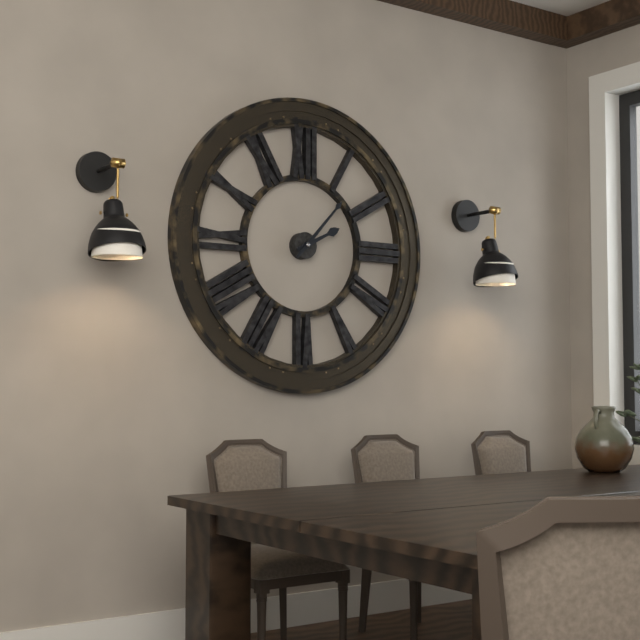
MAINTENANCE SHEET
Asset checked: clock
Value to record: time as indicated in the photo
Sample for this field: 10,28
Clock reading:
2,07
